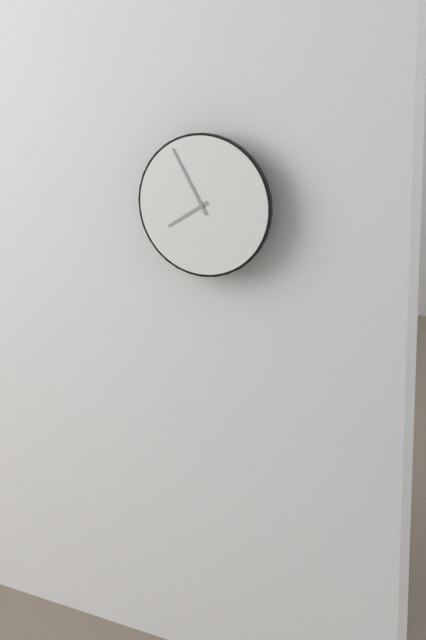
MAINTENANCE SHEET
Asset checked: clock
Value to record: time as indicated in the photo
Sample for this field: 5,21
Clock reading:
7,55
